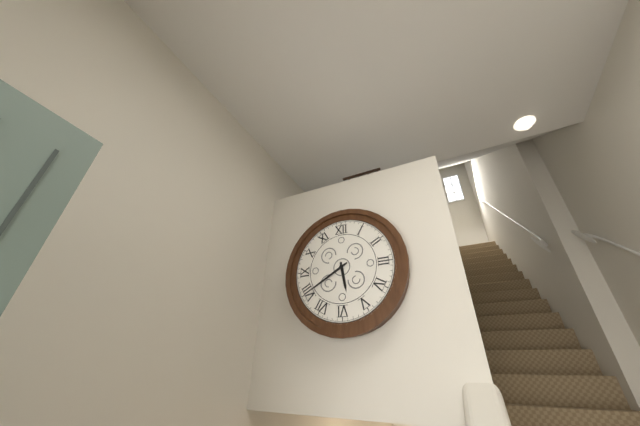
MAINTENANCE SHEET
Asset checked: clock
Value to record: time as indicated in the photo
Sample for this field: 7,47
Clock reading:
5,40
